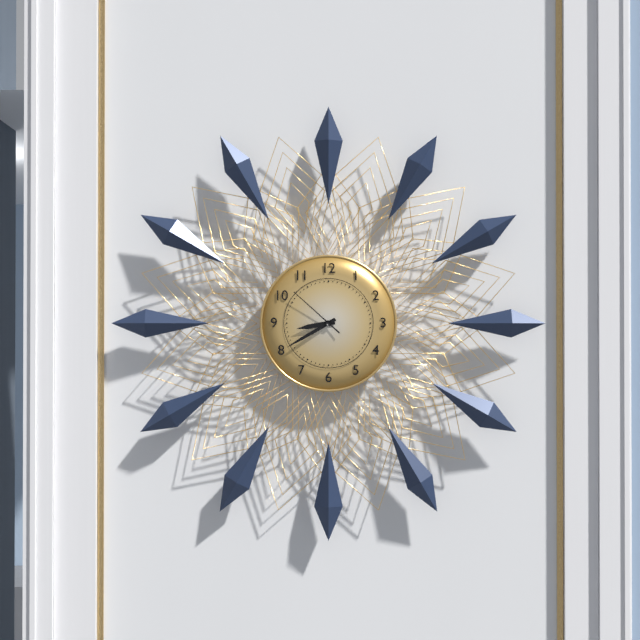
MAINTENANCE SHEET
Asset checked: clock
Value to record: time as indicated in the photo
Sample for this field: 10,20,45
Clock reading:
8,40,52
